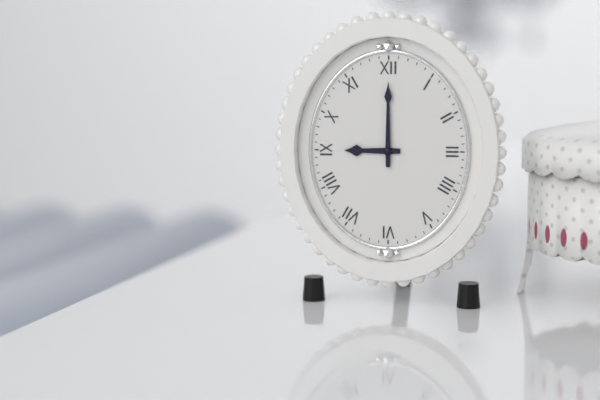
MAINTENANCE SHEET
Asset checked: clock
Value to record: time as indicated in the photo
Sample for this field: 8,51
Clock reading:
9,00
